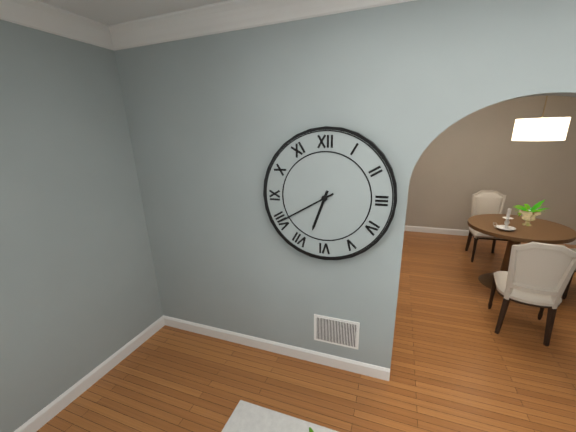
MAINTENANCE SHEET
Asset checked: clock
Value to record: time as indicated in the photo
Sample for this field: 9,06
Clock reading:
6,40
